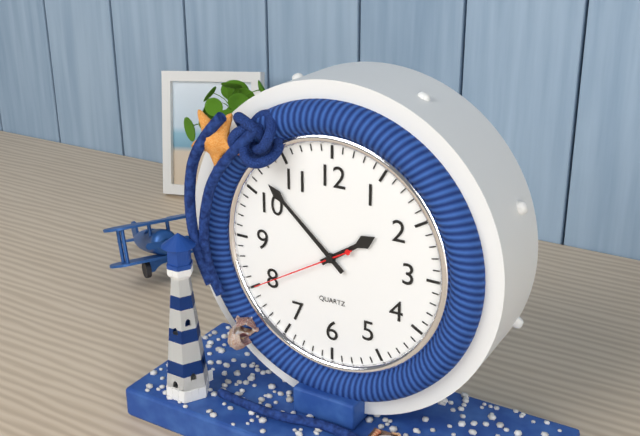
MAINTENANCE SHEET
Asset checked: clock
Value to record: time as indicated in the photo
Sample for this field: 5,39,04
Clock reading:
1,52,40
